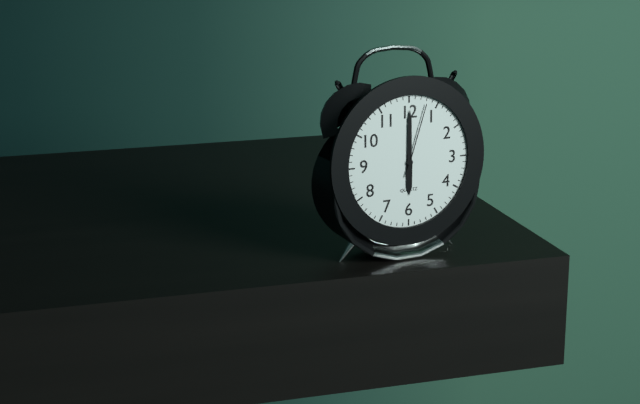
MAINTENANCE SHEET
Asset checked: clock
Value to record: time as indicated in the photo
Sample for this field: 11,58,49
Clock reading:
6,00,03
